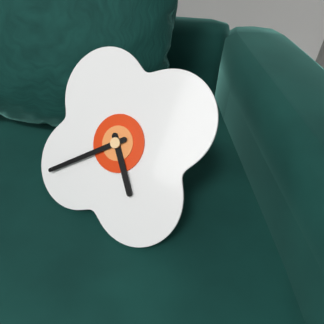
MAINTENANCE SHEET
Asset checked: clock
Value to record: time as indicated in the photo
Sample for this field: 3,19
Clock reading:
4,38
